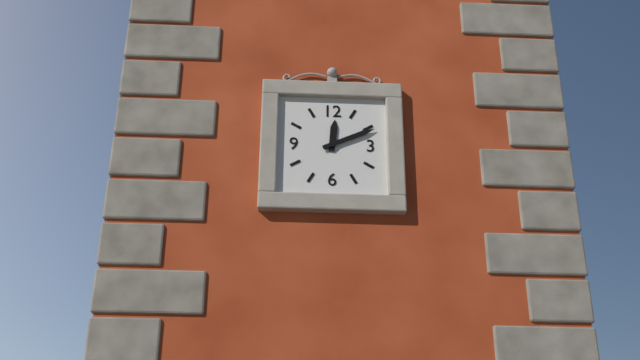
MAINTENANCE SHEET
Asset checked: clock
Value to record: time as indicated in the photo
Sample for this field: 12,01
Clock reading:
12,11
